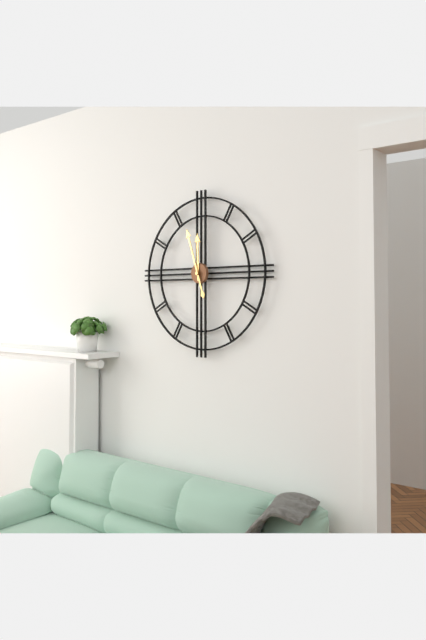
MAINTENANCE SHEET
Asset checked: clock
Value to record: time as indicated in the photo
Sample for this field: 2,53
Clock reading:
11,57
